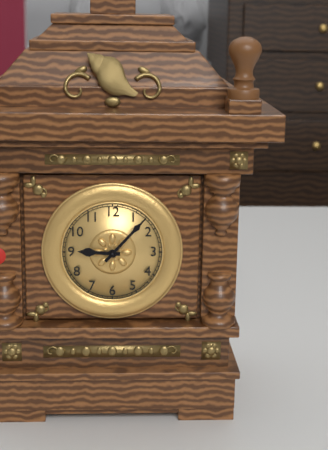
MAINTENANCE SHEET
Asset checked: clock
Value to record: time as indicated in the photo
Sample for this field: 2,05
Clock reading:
9,07
